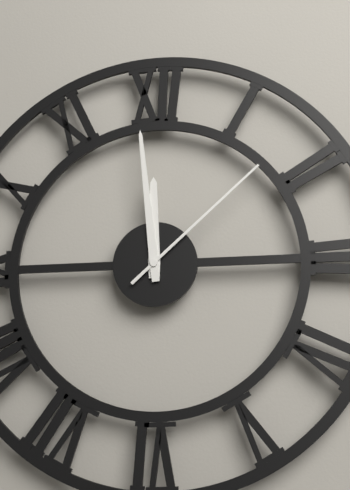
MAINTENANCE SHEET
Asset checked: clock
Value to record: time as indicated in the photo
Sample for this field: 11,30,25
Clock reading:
11,59,08
